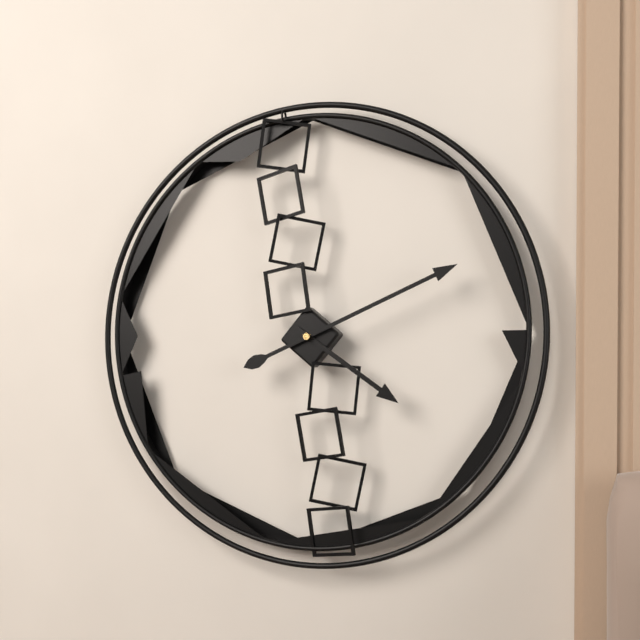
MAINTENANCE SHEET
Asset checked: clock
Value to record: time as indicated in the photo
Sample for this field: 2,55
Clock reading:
4,11
